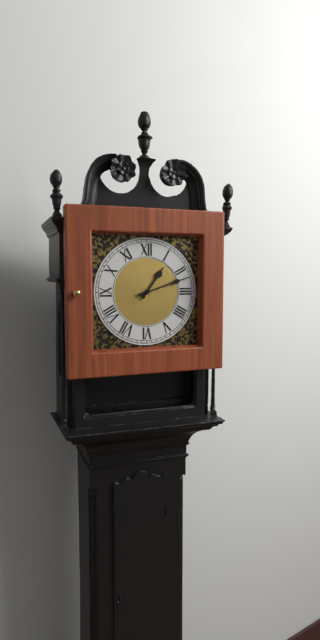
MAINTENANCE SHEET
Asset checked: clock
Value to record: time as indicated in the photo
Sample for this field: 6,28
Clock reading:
1,12
